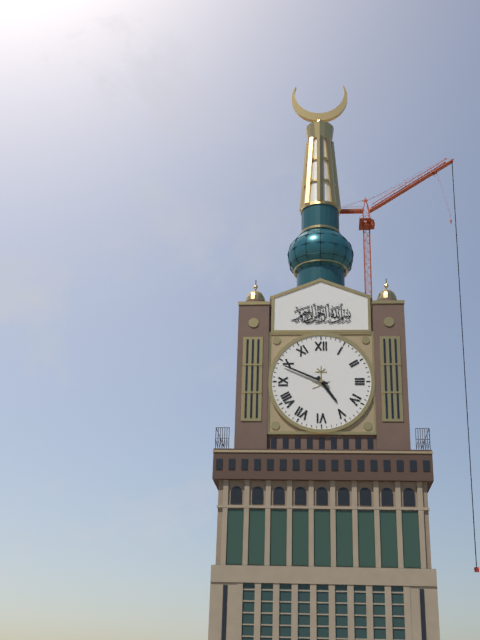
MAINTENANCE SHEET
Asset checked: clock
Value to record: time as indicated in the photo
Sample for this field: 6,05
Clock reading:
4,49
